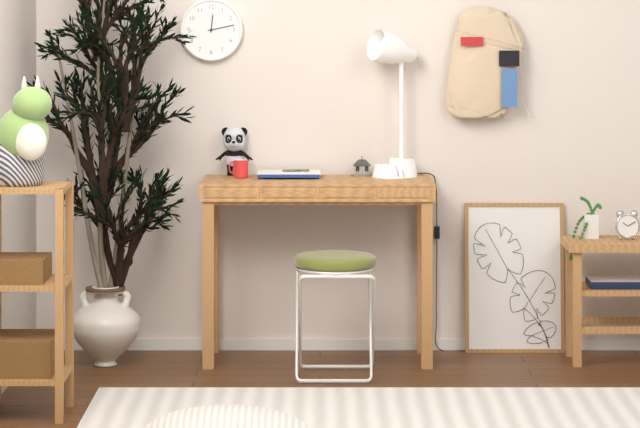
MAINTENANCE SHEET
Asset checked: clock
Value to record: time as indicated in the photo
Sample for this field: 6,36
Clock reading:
12,13
